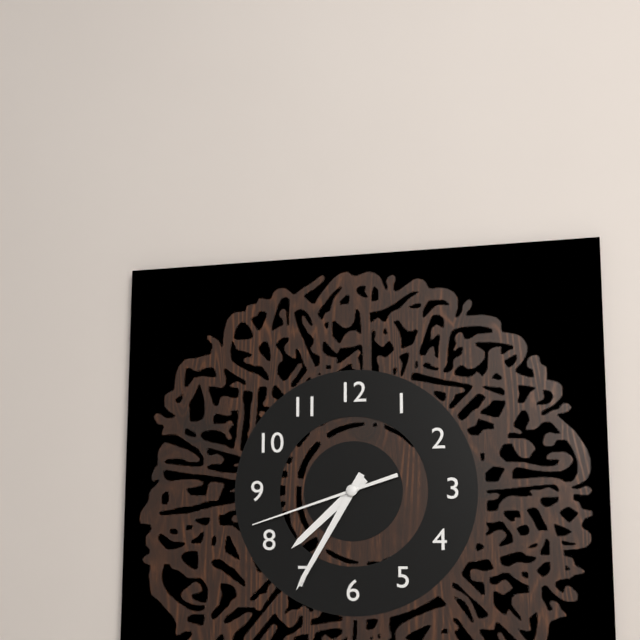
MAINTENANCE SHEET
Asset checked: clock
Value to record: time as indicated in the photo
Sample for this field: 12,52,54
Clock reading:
7,35,42
